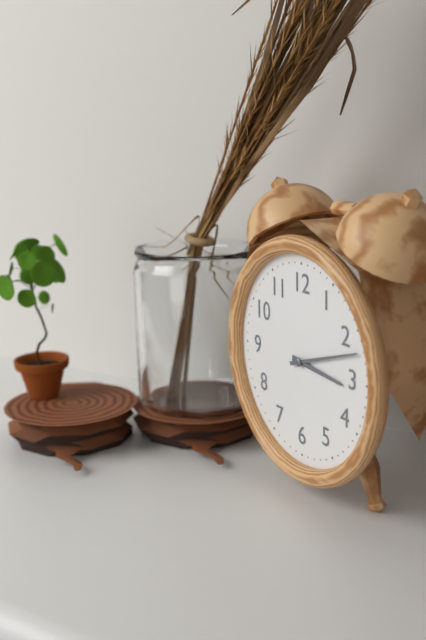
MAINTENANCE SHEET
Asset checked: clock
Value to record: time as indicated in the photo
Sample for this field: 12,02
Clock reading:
3,12
